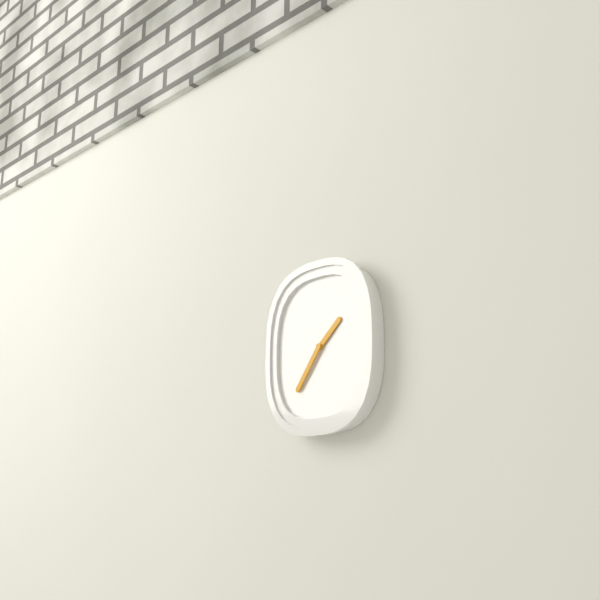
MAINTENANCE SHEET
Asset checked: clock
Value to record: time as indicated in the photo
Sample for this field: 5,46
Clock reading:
1,36
